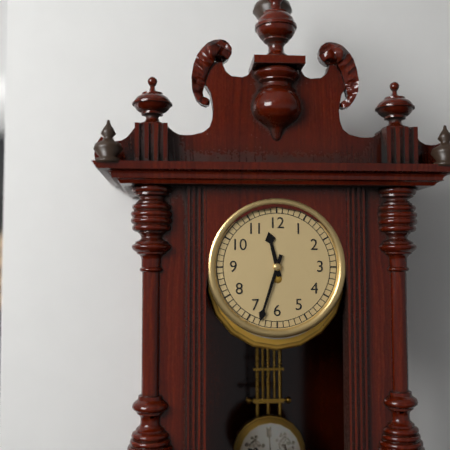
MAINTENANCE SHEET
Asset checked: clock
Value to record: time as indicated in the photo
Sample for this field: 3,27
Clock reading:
11,33
